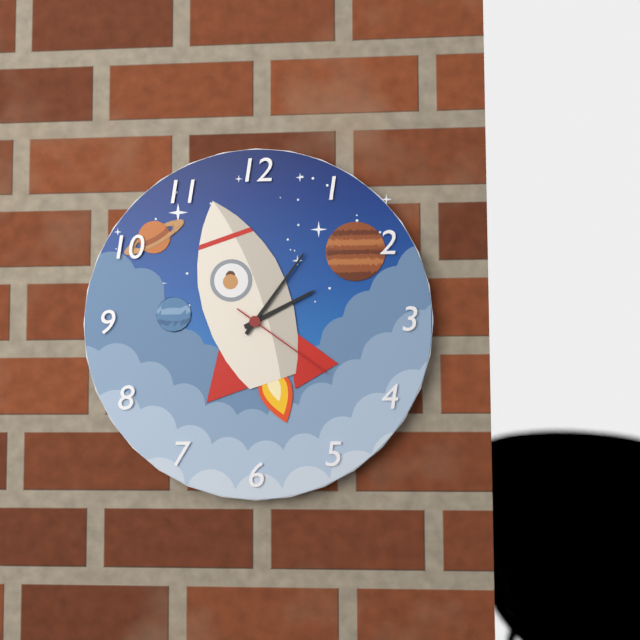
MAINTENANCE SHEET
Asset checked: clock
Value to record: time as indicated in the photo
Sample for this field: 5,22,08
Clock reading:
2,06,21
